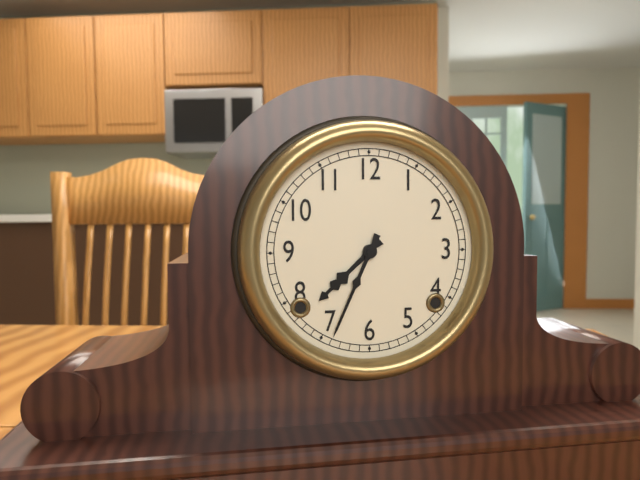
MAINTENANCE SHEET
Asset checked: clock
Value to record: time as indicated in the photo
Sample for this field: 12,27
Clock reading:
7,34
